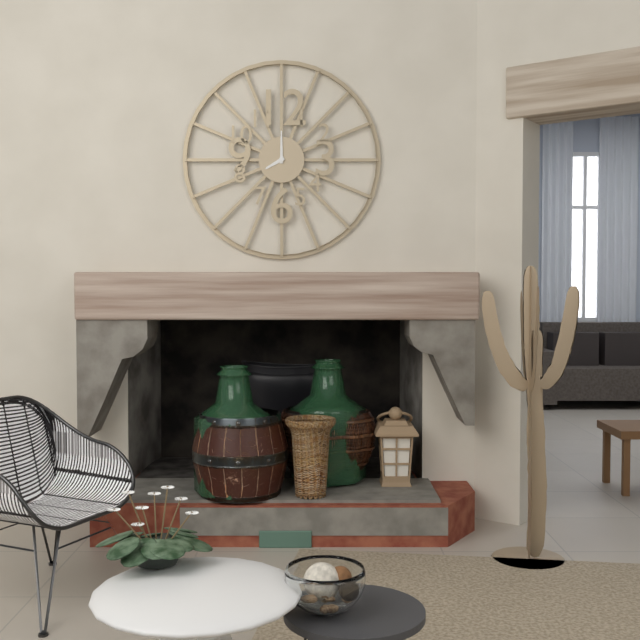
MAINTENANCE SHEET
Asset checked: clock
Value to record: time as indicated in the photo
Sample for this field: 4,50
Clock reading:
8,00
